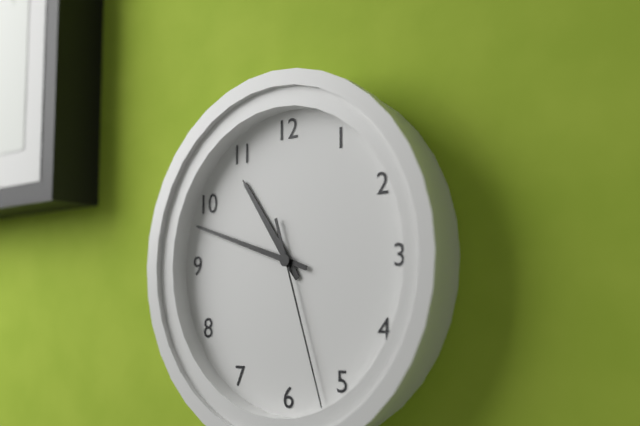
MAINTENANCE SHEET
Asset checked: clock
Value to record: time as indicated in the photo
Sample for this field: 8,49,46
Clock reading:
10,48,27
